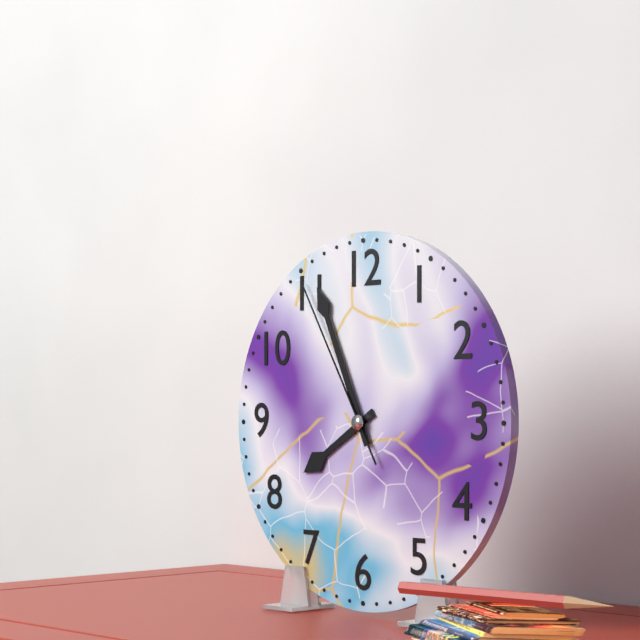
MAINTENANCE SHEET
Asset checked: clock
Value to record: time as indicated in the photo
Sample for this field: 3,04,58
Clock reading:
7,56,55
